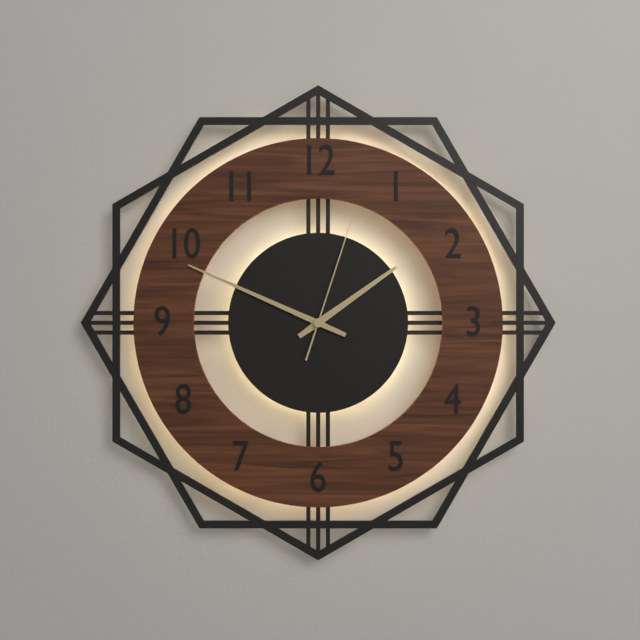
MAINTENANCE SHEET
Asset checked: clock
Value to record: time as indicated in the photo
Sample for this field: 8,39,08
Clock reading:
1,49,03
